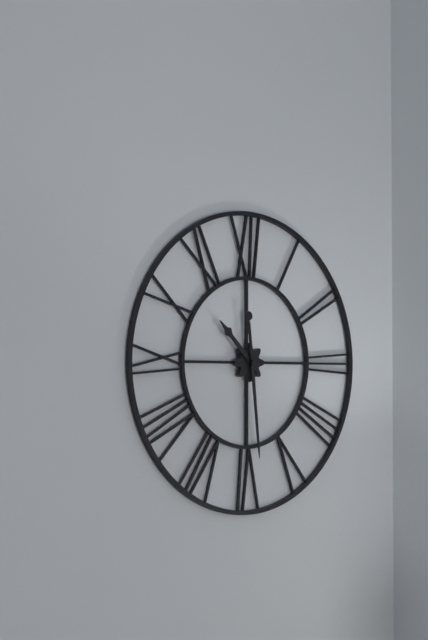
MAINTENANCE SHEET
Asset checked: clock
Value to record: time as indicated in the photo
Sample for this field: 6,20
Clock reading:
10,29
